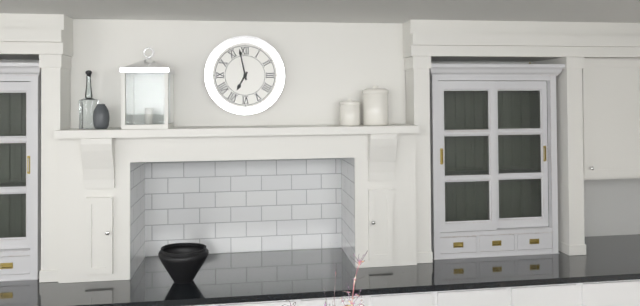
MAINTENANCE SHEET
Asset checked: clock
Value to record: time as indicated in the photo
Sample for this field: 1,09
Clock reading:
6,58
